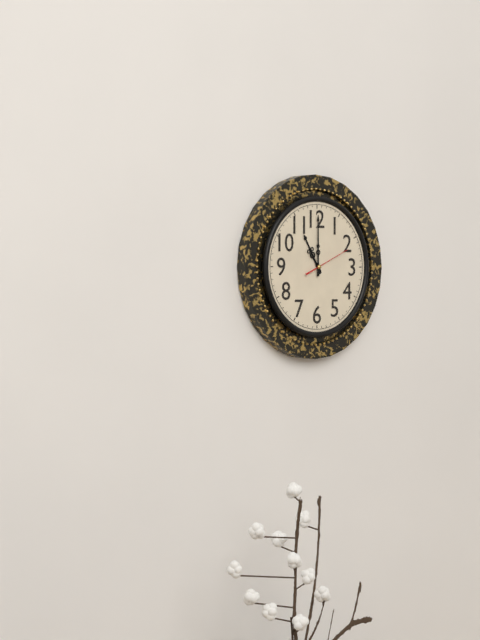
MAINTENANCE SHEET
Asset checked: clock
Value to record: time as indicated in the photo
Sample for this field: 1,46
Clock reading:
11,00
